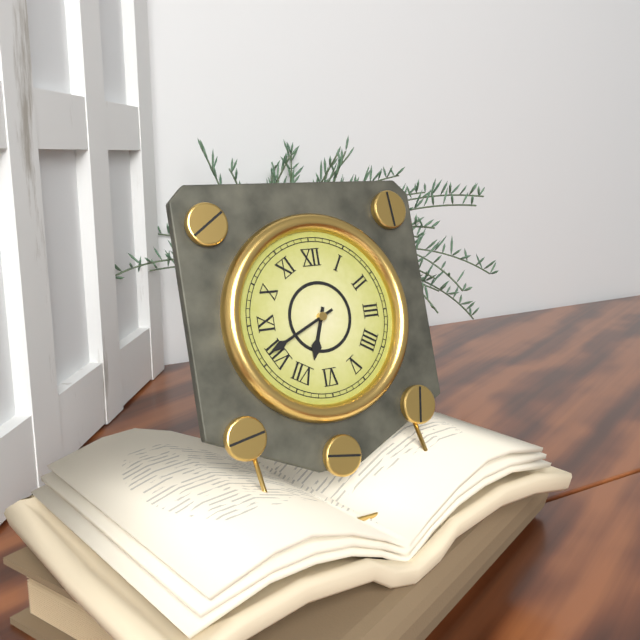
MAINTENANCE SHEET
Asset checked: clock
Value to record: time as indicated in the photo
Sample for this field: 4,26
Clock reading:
6,41
